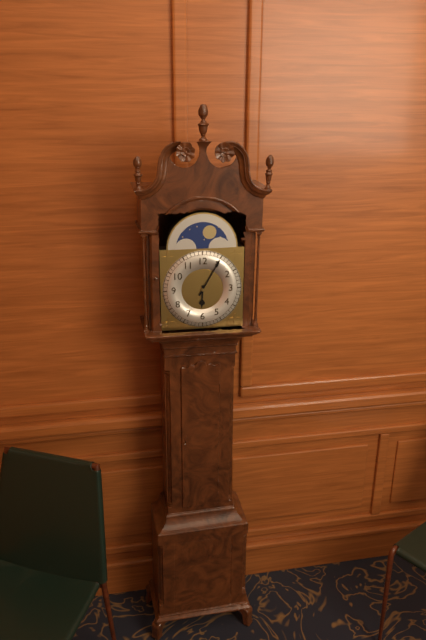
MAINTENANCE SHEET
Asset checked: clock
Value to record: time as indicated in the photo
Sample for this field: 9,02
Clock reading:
6,05
